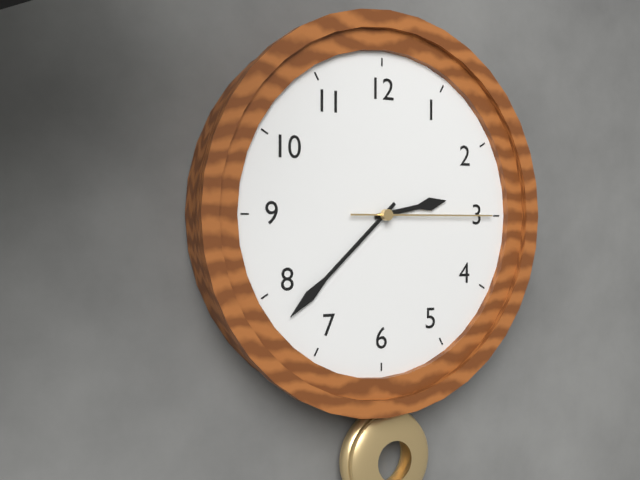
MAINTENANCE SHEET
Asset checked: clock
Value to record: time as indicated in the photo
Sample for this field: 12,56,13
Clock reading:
2,38,15
